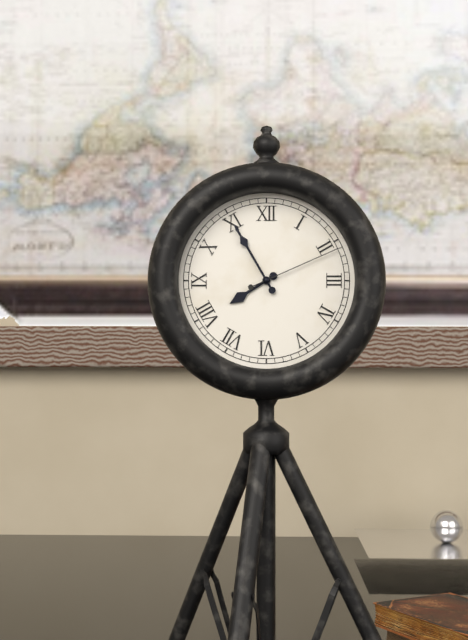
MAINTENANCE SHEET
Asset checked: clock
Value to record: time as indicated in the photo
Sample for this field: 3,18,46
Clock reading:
7,55,11
